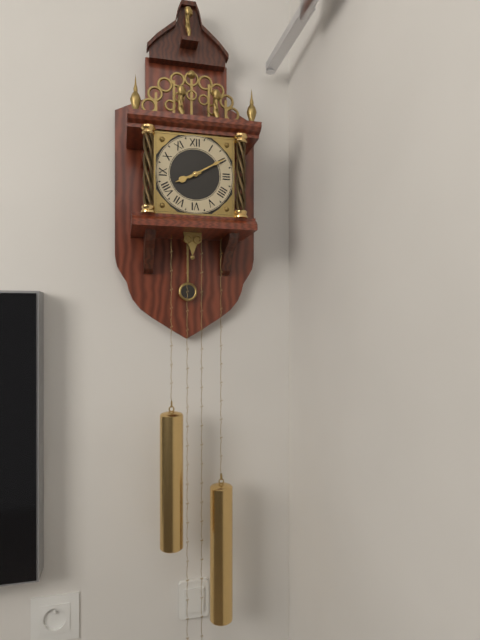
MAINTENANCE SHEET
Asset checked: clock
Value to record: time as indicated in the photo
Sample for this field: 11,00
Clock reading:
8,10
